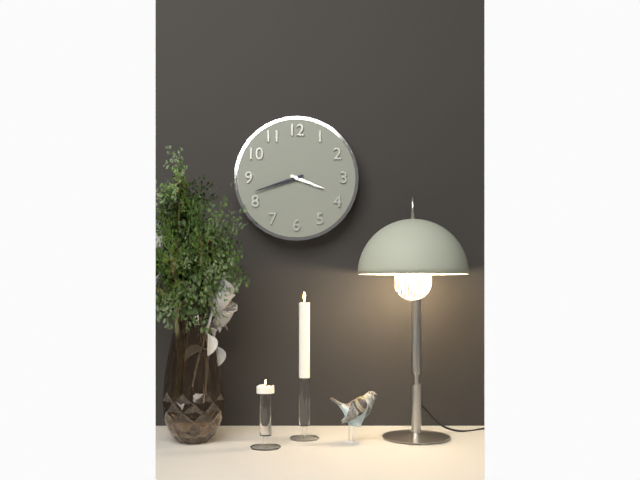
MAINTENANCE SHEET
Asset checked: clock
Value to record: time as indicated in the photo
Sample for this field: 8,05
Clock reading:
3,42
